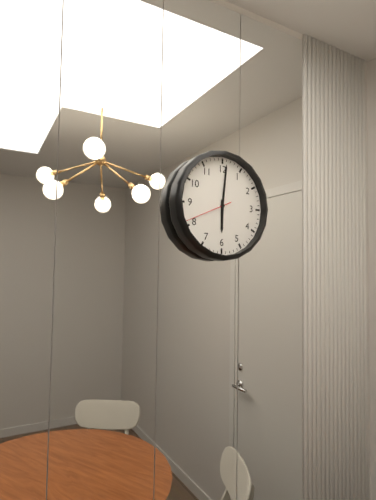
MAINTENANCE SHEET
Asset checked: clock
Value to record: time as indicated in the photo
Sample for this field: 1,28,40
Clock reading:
6,01,41
